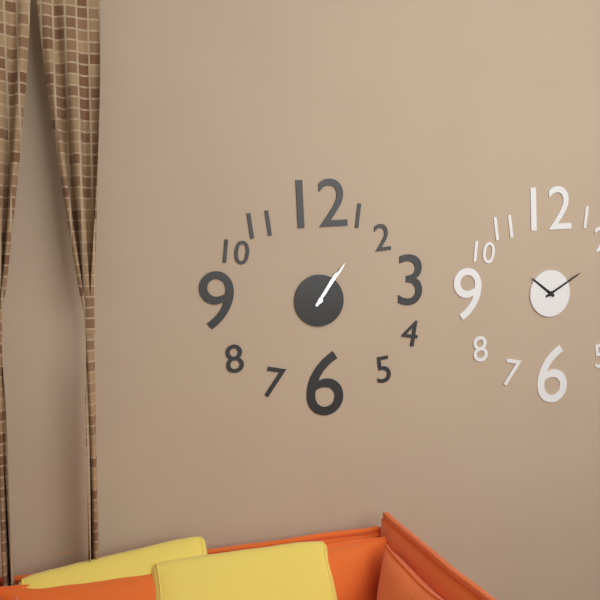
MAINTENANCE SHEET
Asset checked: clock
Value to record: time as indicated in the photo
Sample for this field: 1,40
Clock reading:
1,06
